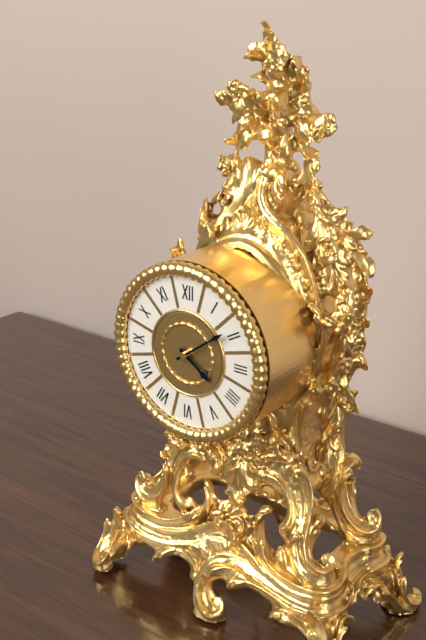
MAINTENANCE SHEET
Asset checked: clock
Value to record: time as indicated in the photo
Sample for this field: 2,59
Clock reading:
4,09
